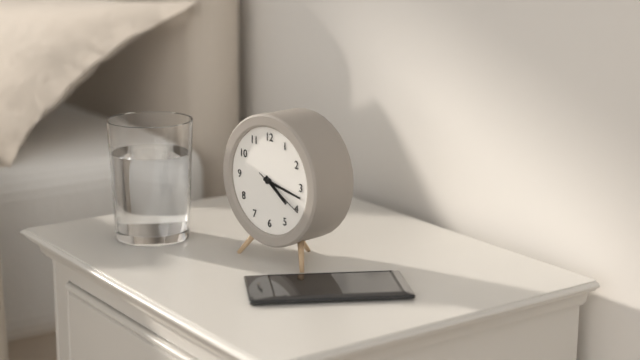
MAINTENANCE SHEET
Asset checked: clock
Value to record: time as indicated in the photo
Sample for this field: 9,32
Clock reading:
4,17
